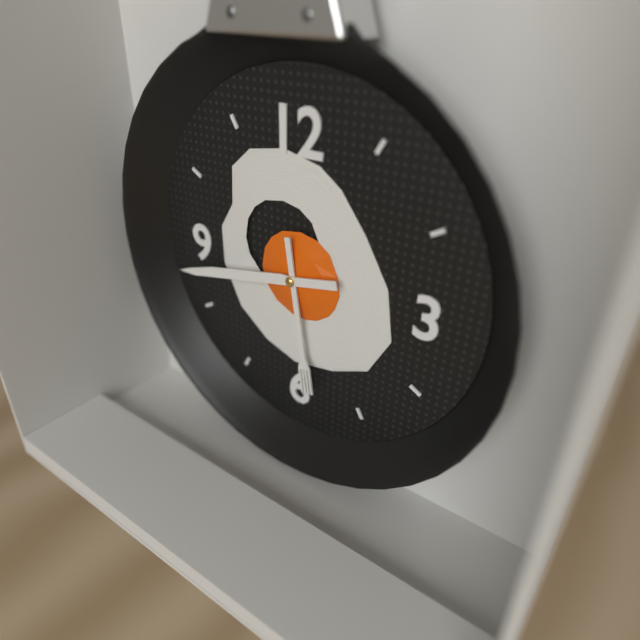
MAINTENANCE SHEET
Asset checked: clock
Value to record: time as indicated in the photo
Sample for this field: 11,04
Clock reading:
5,43
